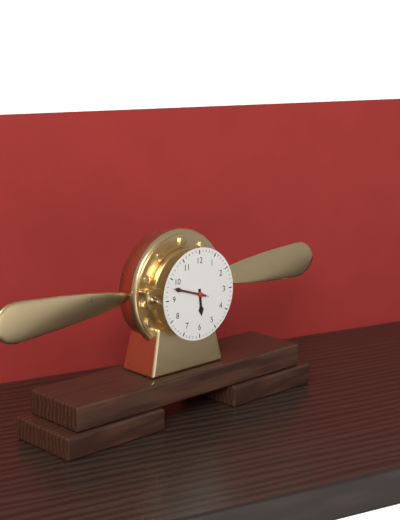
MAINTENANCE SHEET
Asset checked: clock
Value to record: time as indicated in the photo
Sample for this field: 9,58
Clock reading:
5,48
